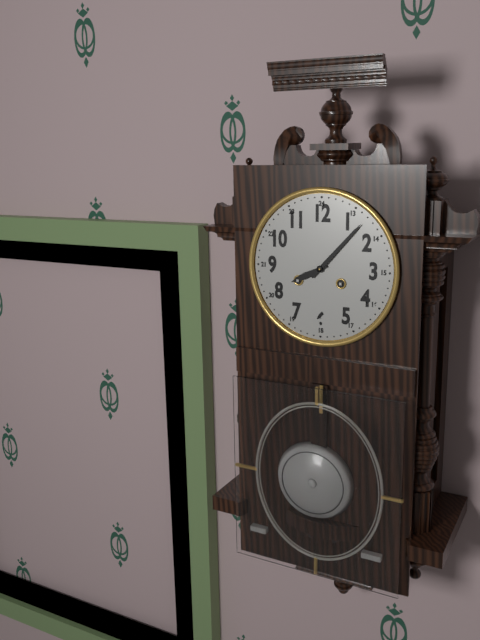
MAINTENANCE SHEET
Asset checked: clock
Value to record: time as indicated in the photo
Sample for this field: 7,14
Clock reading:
8,07
